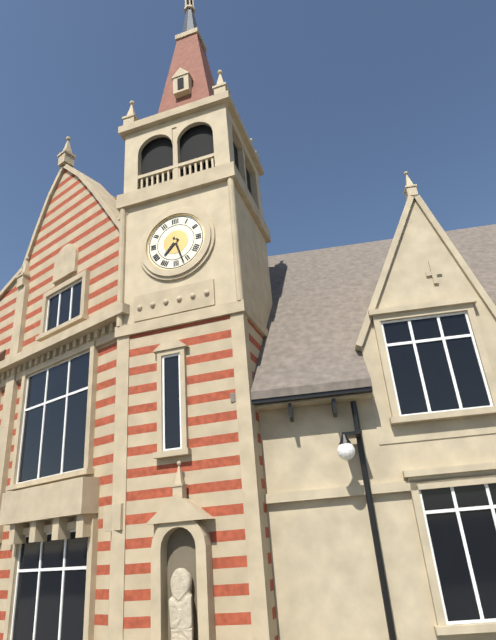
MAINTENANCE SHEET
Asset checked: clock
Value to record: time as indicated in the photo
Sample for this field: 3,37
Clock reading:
7,27
